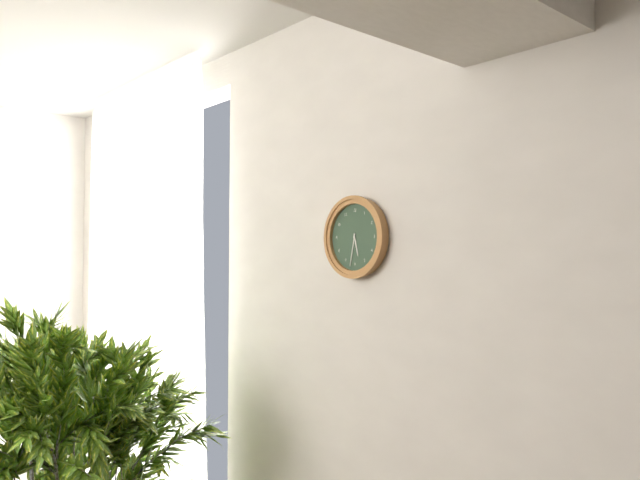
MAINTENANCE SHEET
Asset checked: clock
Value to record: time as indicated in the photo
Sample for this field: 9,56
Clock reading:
5,32
